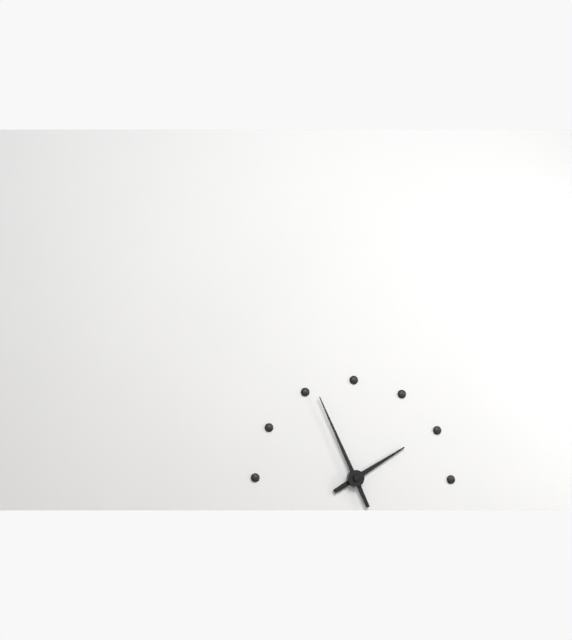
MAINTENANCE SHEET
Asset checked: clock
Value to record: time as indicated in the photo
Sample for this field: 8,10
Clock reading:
1,56
